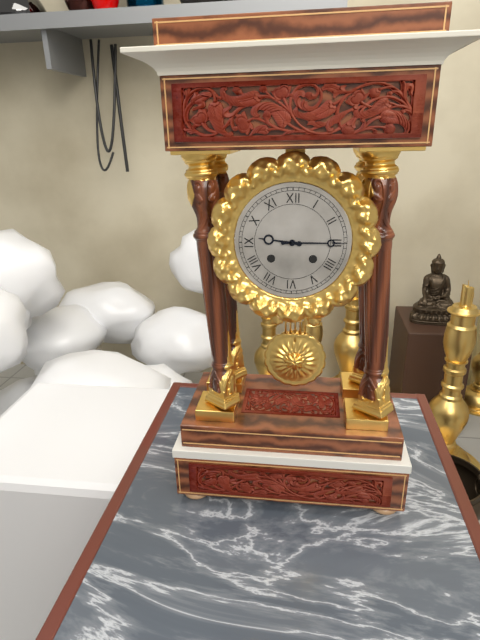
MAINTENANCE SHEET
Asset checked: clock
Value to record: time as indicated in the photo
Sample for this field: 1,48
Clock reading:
9,15
